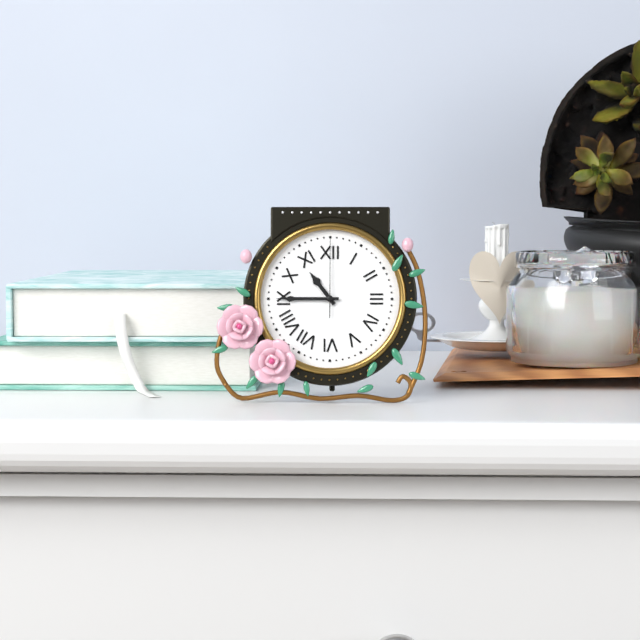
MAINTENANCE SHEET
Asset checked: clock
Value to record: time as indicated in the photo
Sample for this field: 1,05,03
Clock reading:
10,45,00
